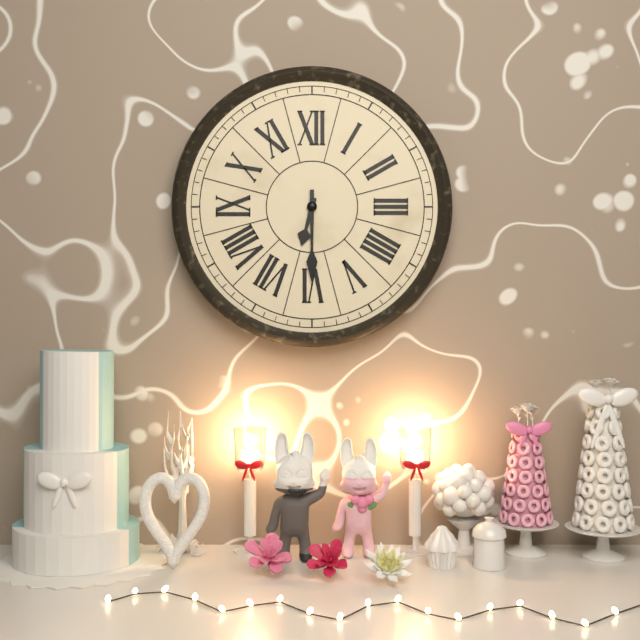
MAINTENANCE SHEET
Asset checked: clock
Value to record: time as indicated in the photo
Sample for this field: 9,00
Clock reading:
6,30
